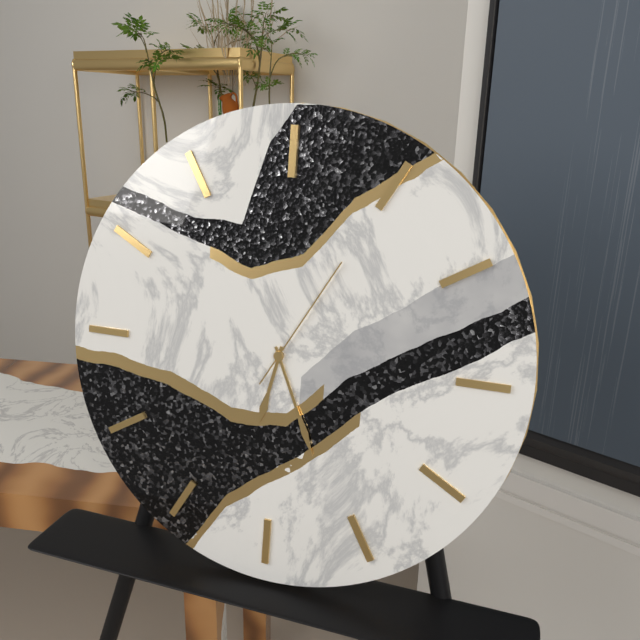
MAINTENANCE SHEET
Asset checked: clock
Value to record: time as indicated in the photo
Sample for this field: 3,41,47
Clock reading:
6,26,05
